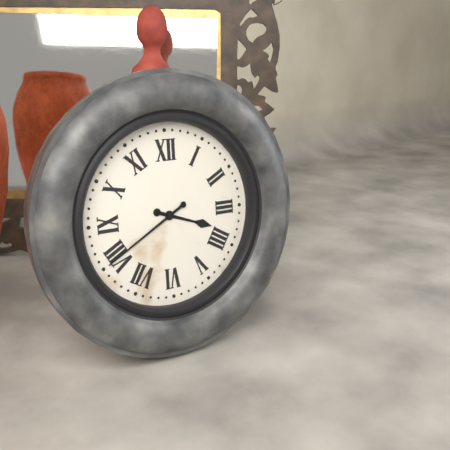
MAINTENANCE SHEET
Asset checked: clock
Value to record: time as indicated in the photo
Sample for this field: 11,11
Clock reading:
3,40
